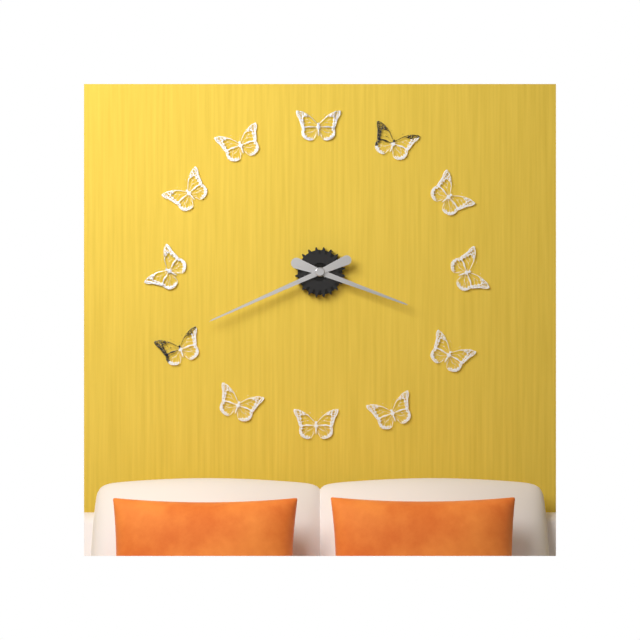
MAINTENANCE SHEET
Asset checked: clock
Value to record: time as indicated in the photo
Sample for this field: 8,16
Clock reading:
3,41
